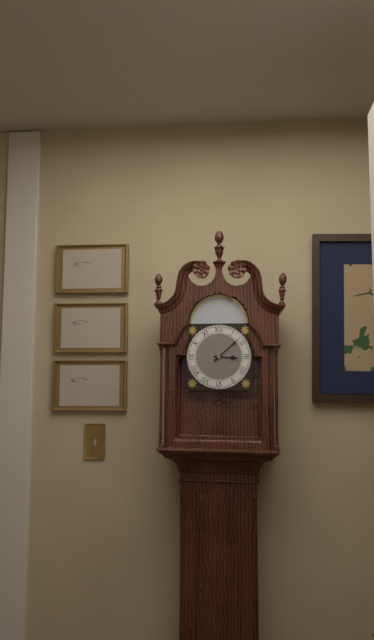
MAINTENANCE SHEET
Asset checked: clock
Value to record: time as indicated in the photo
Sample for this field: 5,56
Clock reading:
3,08
